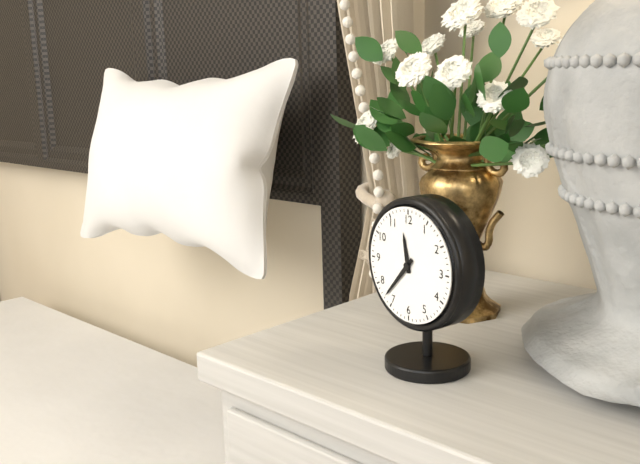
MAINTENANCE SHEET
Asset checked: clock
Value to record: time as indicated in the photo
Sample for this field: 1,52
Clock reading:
11,37
